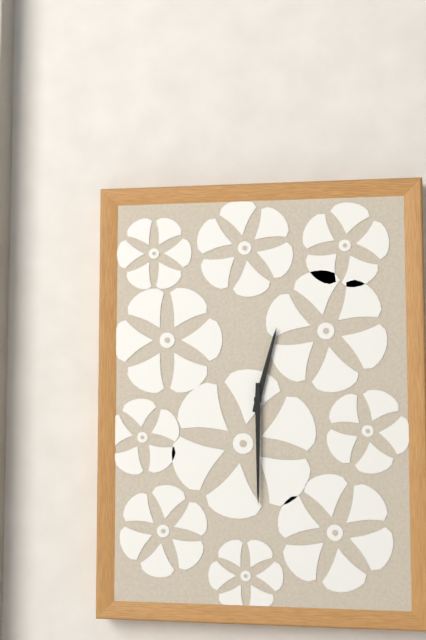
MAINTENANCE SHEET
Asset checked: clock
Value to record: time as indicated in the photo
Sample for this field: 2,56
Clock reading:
12,30
